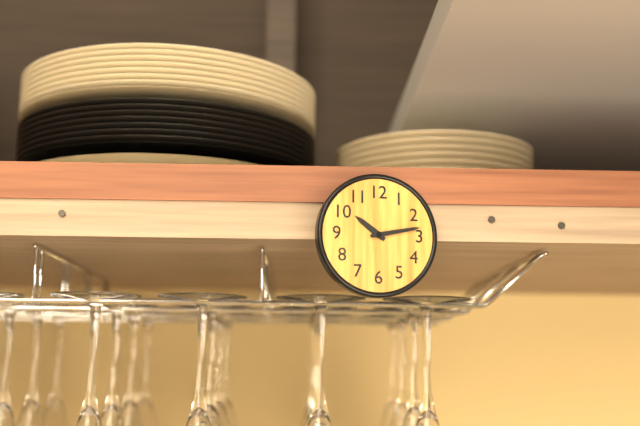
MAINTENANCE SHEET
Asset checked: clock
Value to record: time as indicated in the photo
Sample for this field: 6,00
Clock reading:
10,13
